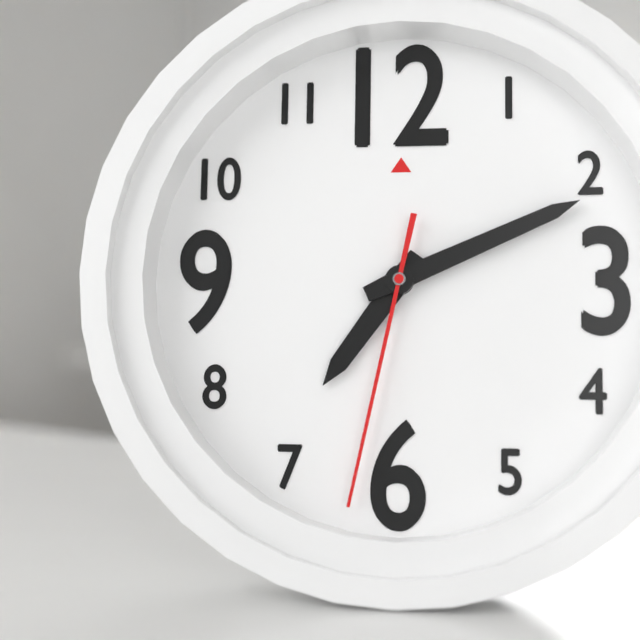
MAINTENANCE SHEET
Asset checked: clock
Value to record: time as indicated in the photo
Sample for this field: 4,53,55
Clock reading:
7,11,32
